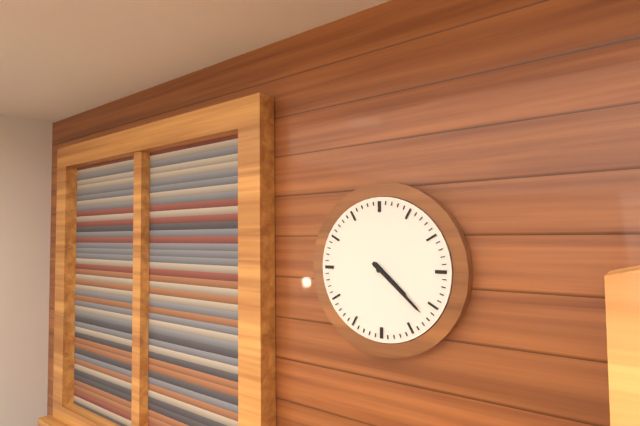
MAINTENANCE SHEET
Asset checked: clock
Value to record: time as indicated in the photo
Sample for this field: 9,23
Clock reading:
4,22
